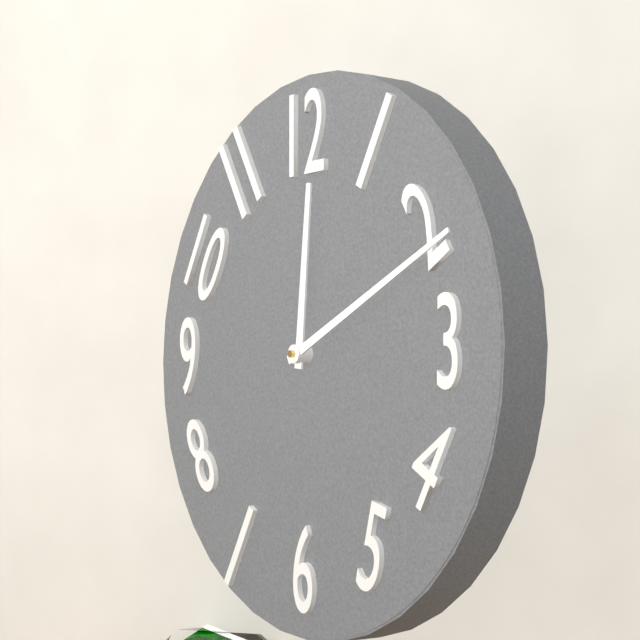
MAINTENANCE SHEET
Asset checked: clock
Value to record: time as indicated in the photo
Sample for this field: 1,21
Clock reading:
12,11
